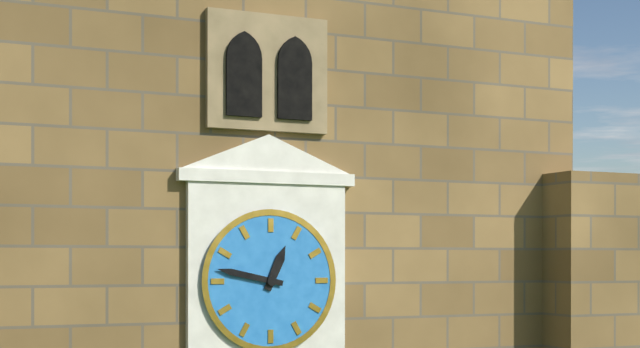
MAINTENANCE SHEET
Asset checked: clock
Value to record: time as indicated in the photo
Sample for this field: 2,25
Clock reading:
12,47
